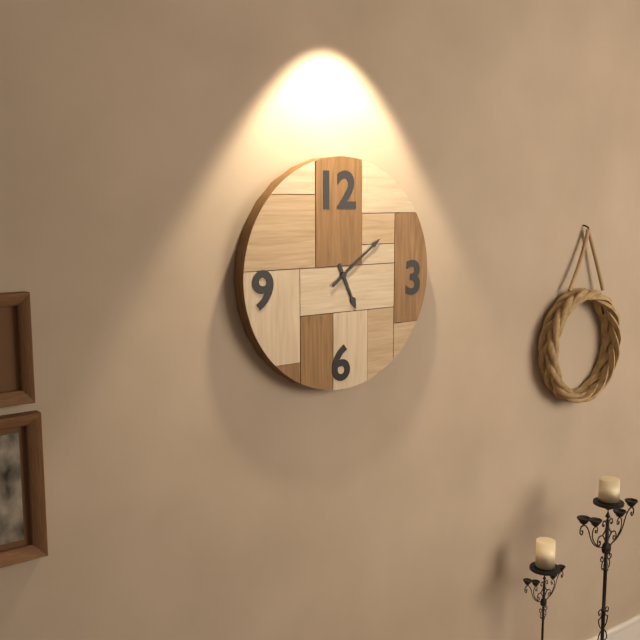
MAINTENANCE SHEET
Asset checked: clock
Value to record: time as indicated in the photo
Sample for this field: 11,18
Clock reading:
5,09
